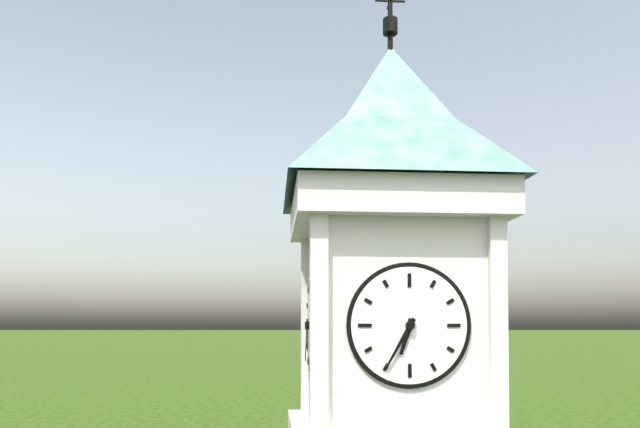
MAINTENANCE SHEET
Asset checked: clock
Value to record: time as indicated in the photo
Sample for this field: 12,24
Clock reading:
6,35
